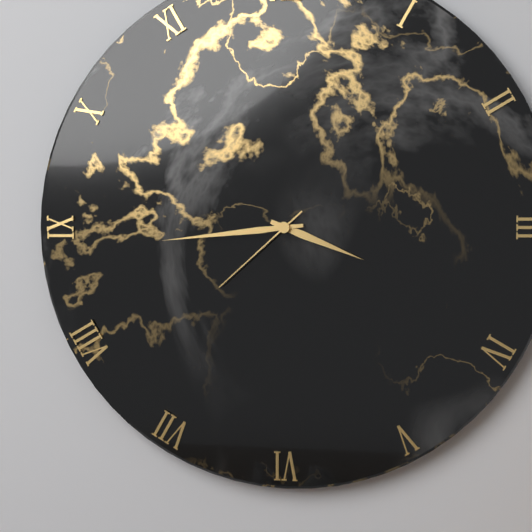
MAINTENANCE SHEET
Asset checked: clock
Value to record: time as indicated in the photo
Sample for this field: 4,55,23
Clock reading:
3,44,38
